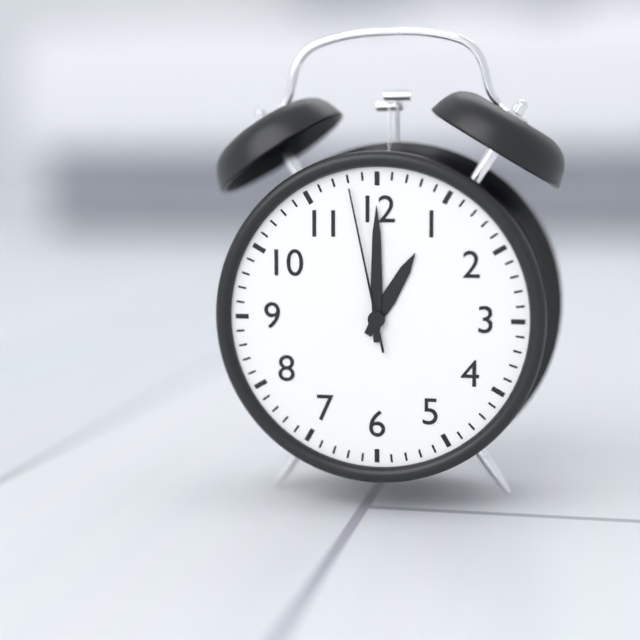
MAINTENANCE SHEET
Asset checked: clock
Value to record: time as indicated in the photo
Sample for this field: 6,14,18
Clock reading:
1,00,58
